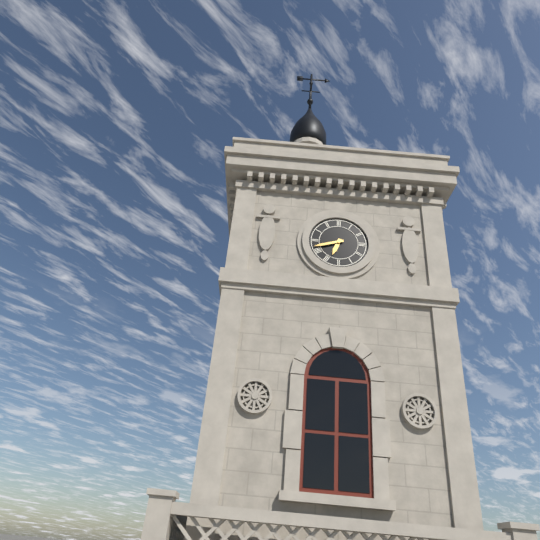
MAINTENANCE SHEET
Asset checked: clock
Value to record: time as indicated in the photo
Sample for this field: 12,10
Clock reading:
6,42
